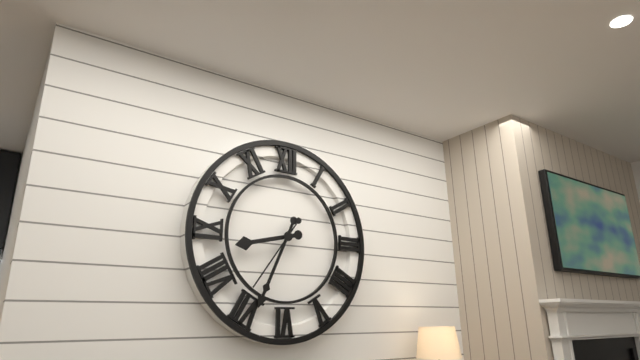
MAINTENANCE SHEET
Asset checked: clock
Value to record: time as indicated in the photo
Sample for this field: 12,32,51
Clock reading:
8,34,36
